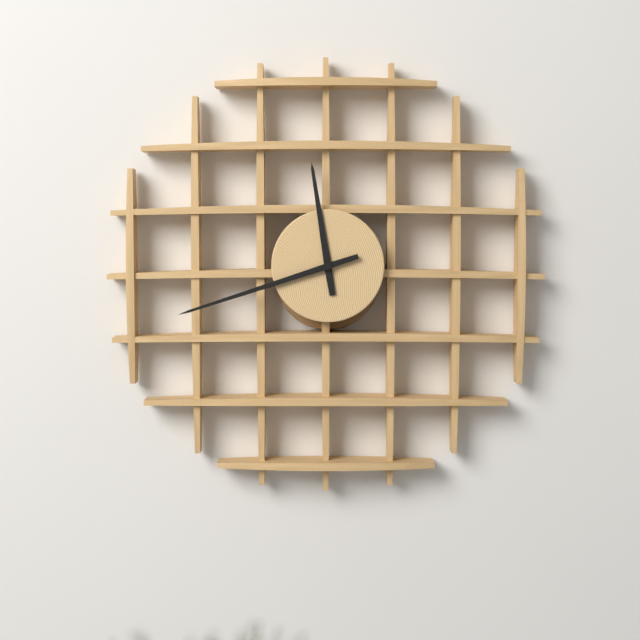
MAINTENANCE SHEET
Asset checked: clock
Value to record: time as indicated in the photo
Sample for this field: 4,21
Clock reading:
11,42
